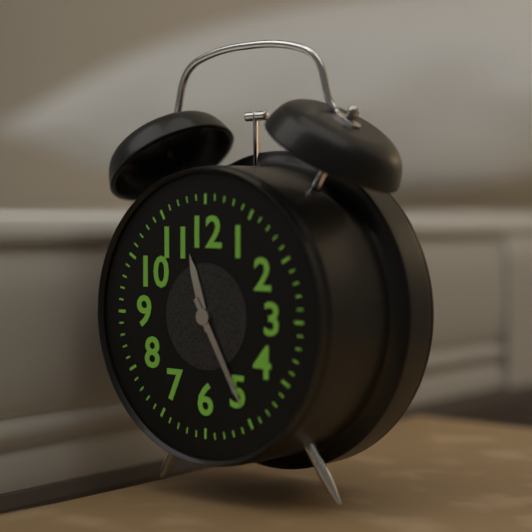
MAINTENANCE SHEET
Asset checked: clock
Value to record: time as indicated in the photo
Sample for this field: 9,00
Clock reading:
11,25
